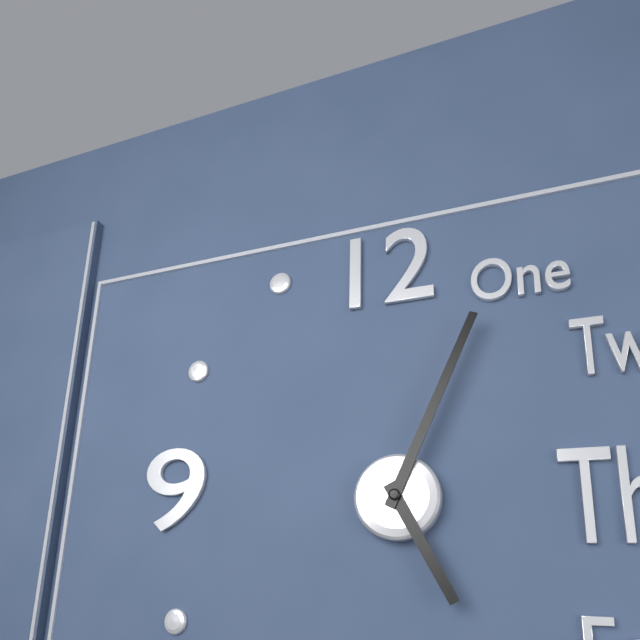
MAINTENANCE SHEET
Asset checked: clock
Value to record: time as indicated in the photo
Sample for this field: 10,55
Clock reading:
5,04
